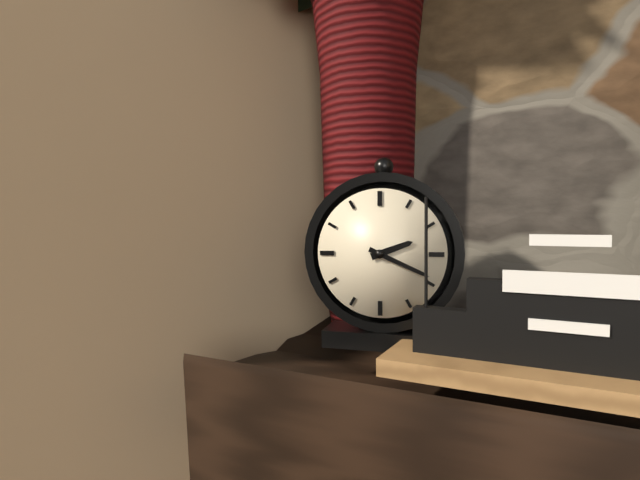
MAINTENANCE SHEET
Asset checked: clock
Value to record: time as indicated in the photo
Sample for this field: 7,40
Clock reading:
2,19
